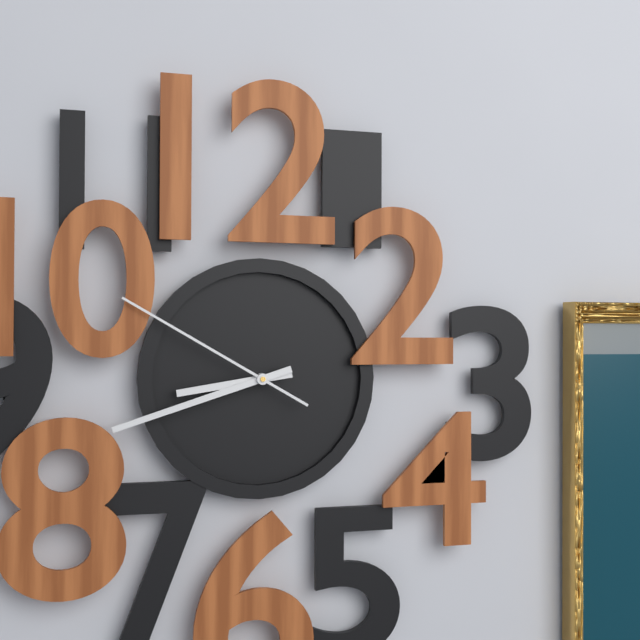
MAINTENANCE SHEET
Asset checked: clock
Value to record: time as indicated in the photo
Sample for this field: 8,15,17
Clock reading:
8,42,50
